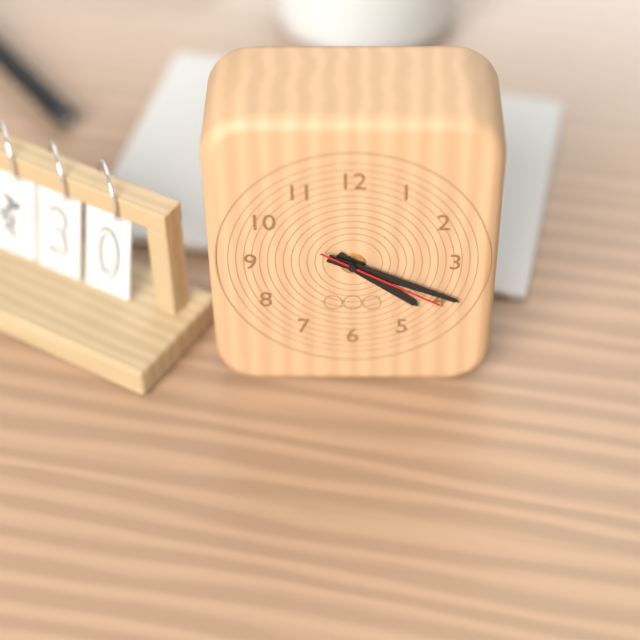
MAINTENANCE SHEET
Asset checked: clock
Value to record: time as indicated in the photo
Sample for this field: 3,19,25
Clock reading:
4,19,20
